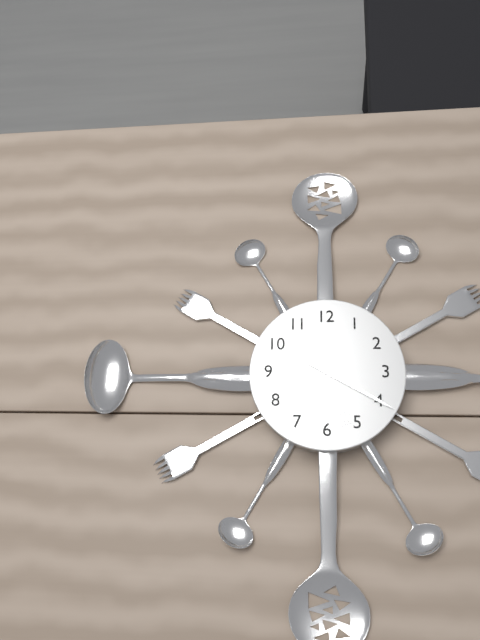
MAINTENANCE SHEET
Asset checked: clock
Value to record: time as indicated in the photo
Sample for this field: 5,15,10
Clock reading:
5,20,57
